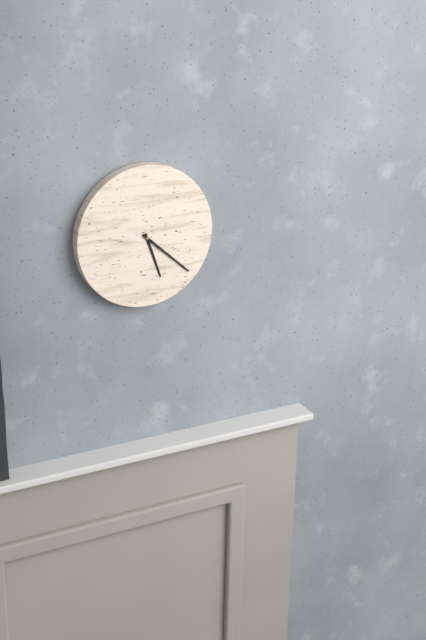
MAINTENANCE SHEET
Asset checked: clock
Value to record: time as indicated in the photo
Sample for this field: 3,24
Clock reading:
5,22
